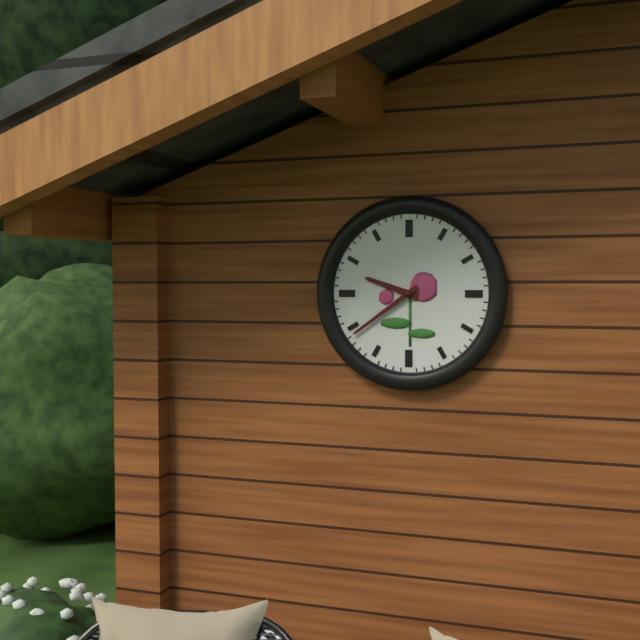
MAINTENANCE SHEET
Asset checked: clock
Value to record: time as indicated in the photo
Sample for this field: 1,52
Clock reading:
9,39
